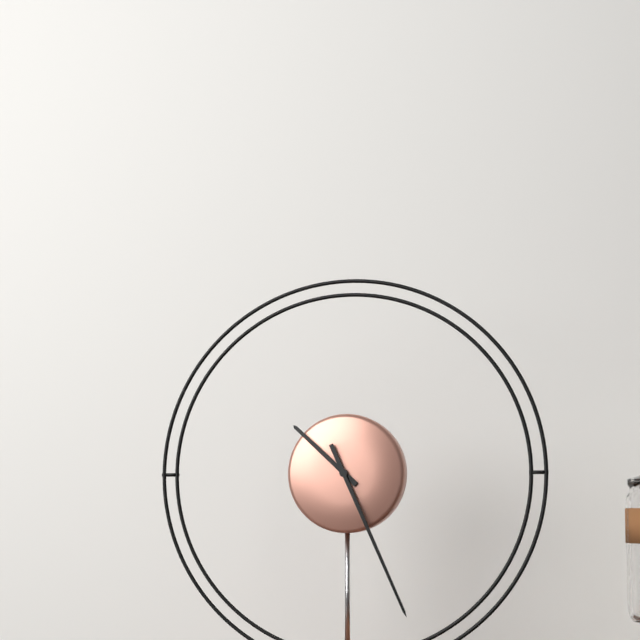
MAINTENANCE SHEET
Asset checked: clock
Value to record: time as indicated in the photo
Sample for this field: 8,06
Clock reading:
10,26
